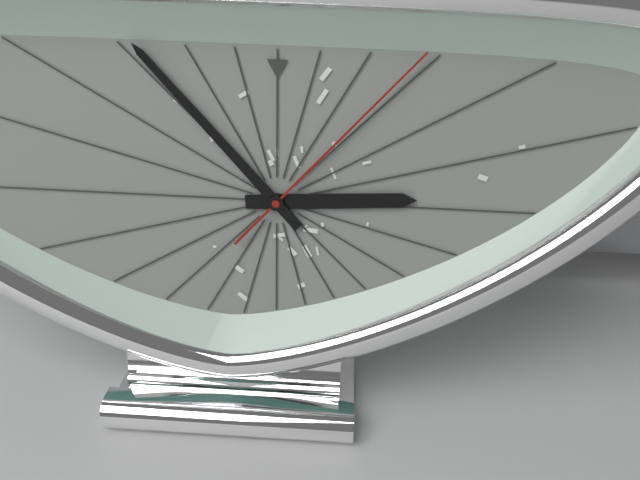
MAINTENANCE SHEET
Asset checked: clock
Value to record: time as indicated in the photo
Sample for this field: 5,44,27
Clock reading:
2,53,07
